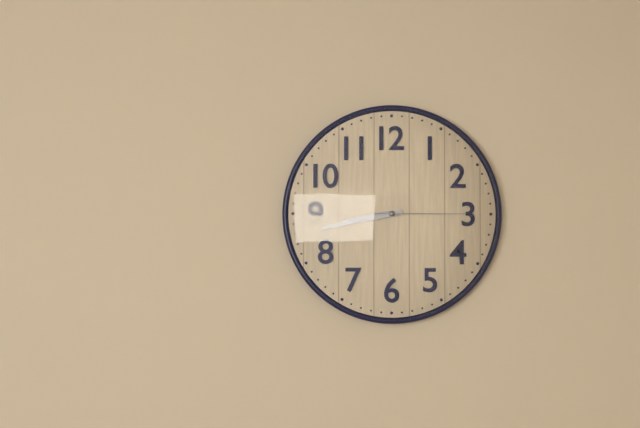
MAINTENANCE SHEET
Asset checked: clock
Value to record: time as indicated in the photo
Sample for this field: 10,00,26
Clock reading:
8,43,15
